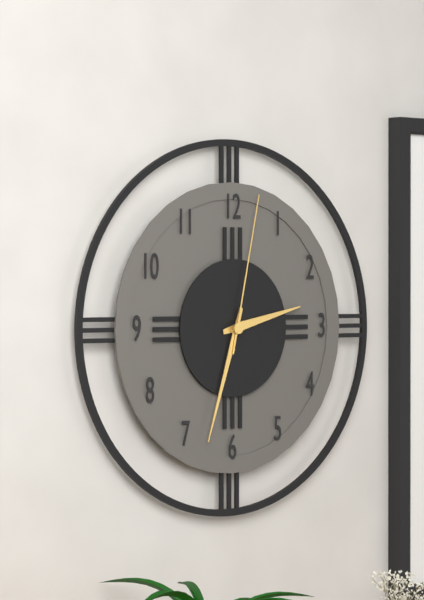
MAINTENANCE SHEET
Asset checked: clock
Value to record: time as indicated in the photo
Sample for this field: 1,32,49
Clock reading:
2,33,02
